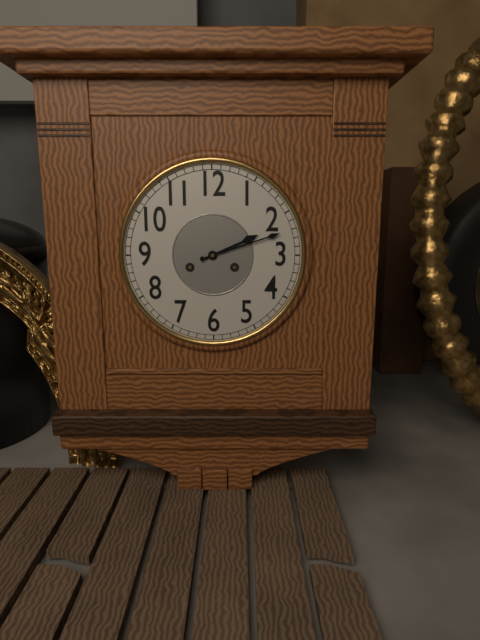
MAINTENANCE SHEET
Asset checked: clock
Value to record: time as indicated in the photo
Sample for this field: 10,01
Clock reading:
2,12
